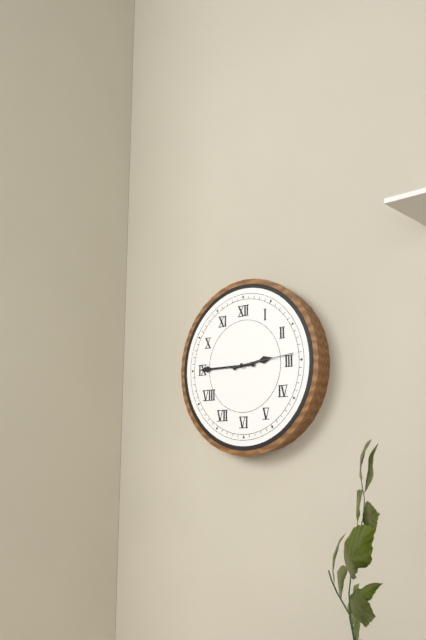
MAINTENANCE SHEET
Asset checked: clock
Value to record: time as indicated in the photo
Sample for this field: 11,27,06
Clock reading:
2,45,14
